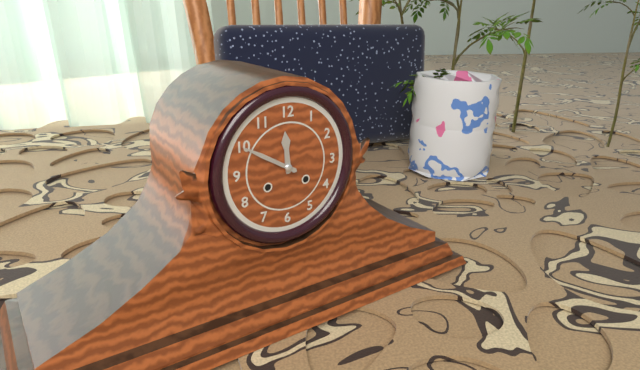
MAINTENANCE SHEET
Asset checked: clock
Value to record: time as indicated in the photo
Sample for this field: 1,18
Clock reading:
11,50
